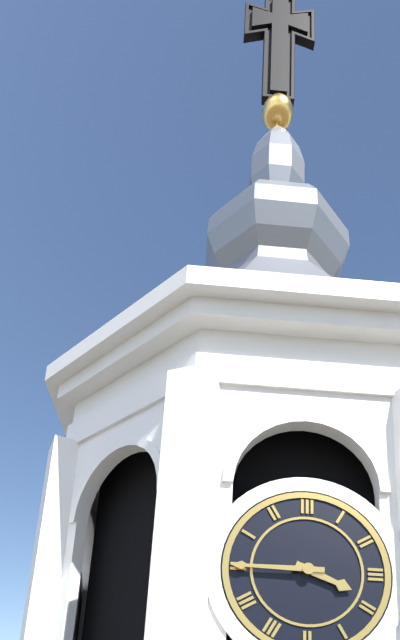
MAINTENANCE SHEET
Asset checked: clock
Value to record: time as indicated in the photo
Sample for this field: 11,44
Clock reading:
3,45
